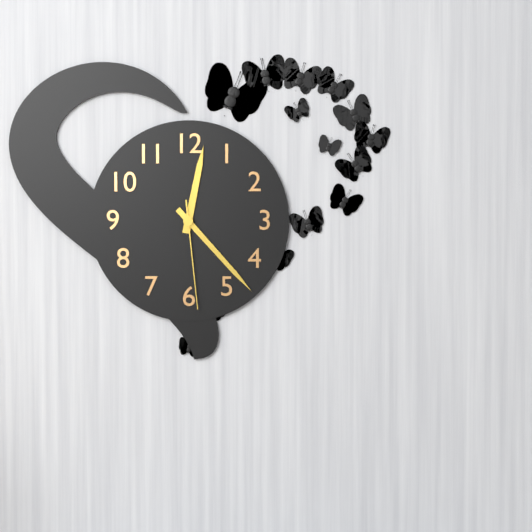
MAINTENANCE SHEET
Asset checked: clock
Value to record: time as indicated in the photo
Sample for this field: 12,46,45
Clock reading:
12,23,29
